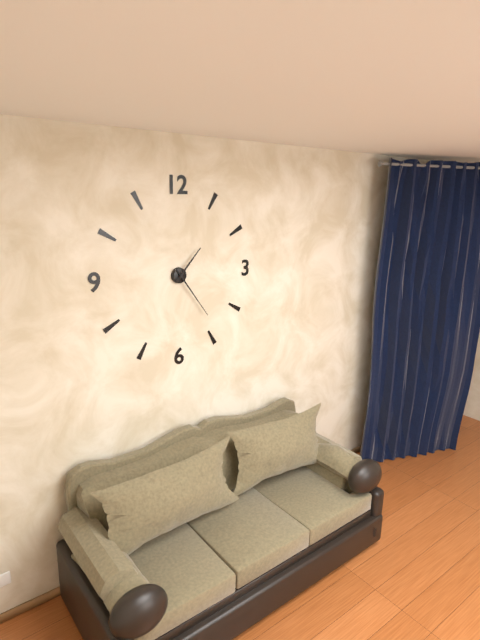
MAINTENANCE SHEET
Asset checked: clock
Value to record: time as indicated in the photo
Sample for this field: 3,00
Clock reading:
1,24
